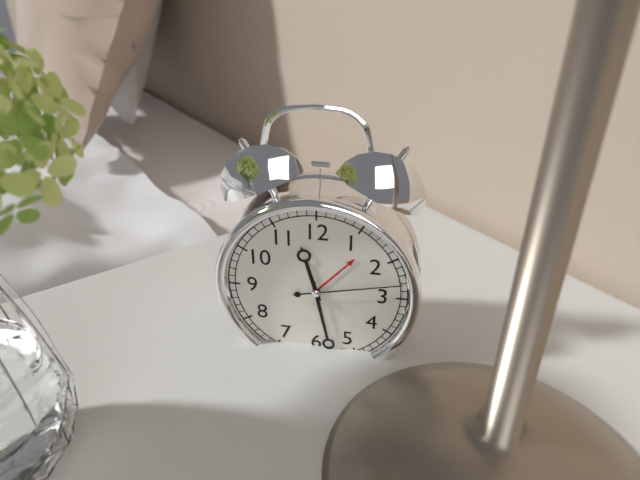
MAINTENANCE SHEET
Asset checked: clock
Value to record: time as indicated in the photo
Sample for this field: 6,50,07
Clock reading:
11,28,13
